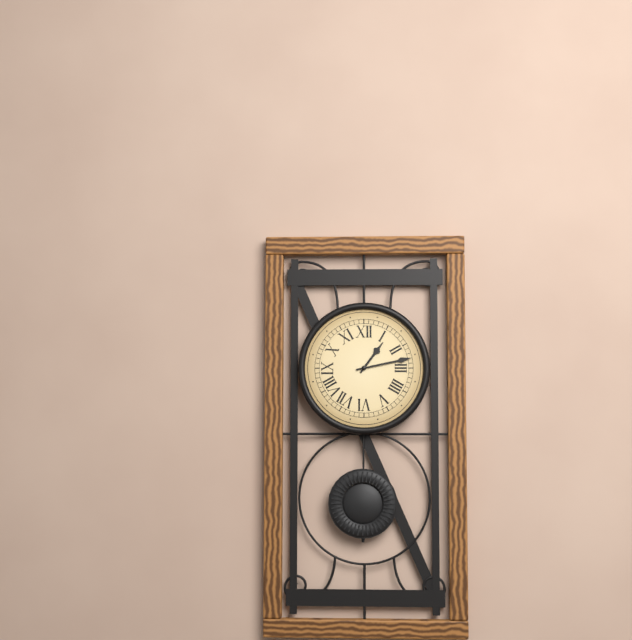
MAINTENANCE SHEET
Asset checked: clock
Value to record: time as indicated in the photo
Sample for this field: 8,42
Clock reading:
1,13
